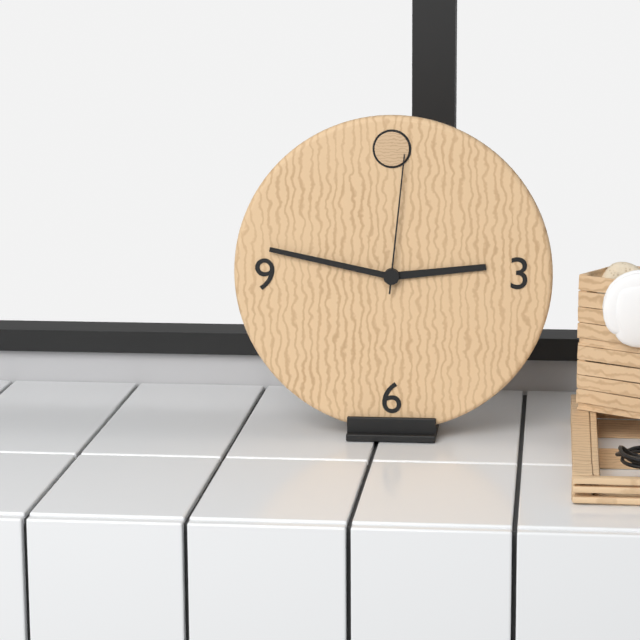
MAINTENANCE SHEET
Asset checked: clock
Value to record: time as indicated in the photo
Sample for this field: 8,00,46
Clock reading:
2,47,01
